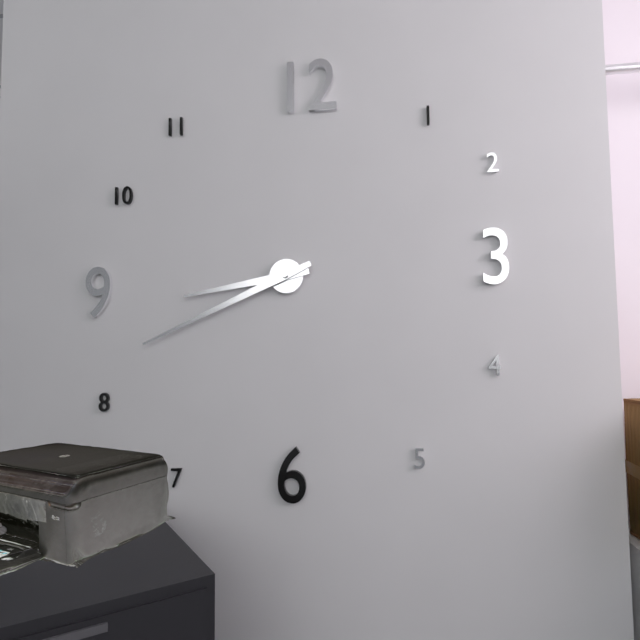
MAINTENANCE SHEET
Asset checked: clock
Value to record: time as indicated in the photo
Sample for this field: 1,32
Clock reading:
8,41
